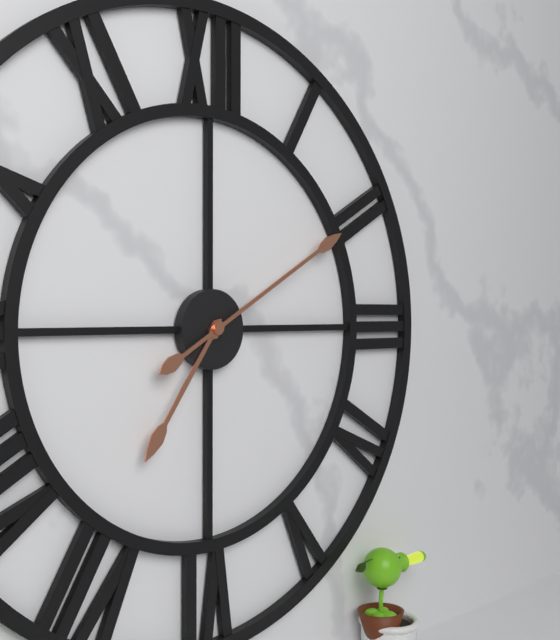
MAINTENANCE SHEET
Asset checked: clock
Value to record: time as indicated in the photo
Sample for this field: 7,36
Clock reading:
7,10
